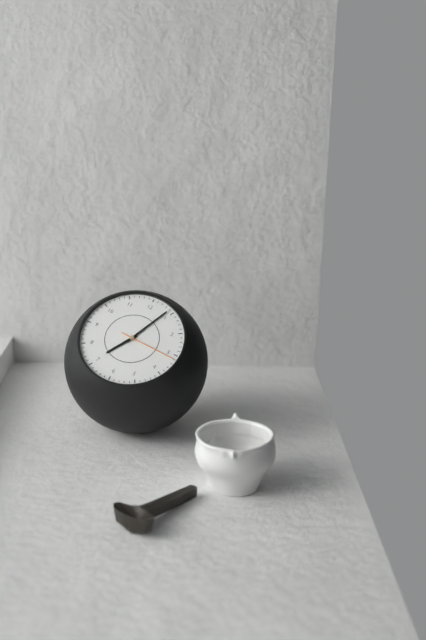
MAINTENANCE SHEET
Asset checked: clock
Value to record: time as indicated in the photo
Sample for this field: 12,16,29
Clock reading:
7,04,16
